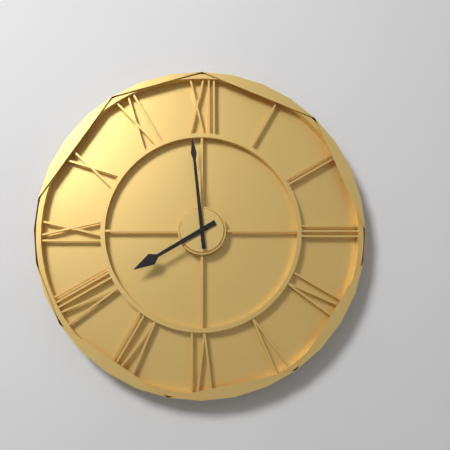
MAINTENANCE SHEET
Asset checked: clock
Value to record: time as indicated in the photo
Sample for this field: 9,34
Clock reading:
7,59
